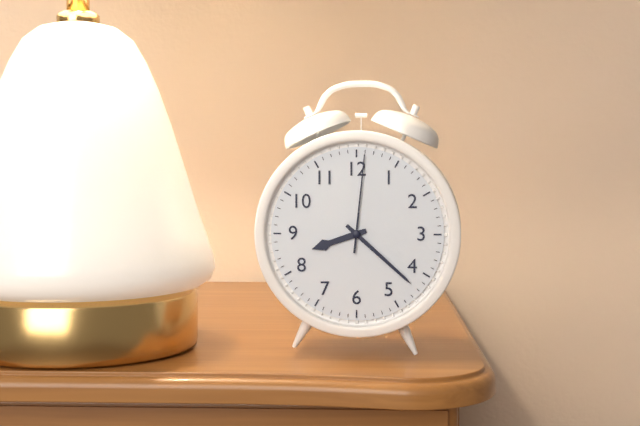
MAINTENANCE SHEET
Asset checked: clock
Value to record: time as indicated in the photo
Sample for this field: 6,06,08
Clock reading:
8,22,01
